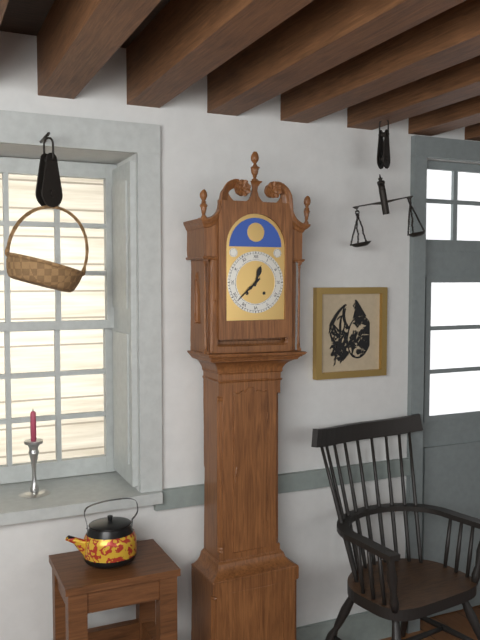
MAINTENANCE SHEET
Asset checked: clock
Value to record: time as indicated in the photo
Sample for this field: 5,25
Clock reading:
12,38
